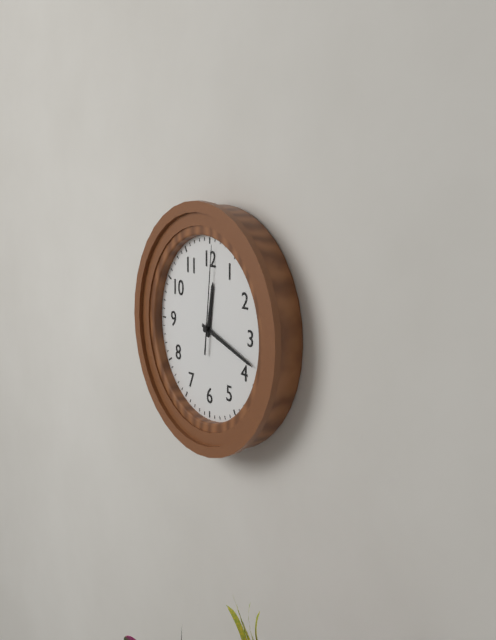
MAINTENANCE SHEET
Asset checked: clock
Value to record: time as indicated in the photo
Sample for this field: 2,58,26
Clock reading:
12,18,01
